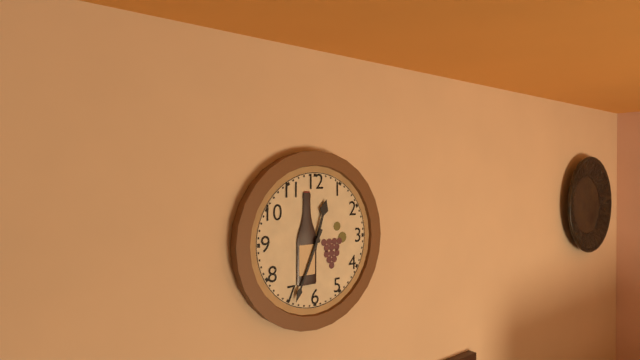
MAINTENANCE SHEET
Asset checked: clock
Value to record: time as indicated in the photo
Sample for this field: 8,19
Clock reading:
12,34
